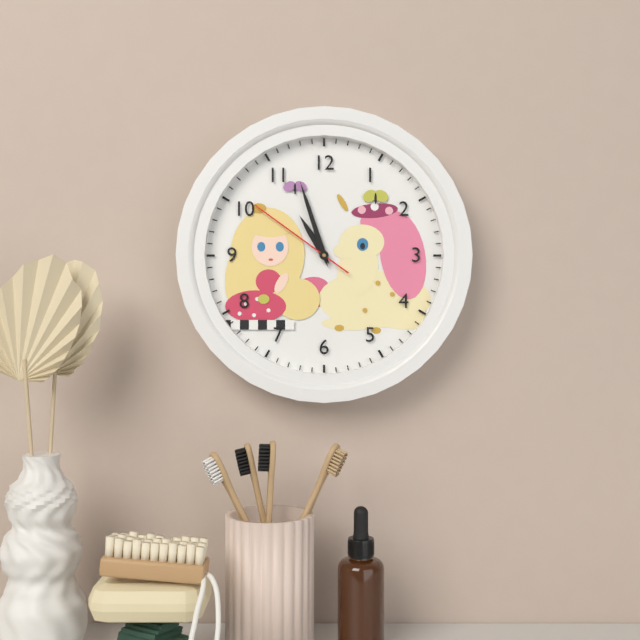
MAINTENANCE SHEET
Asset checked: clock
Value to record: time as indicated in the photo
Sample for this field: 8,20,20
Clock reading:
10,57,51
